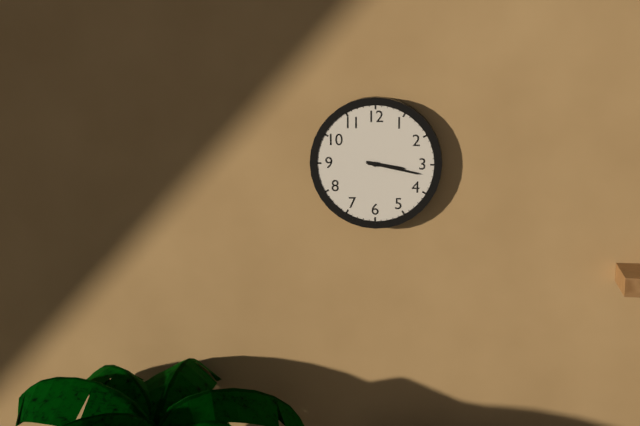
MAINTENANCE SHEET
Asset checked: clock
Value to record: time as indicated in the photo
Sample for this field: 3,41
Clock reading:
3,17
